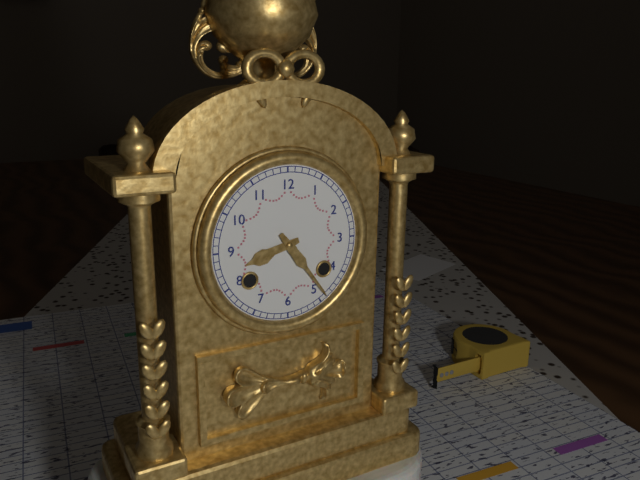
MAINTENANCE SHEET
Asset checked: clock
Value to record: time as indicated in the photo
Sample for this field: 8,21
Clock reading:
8,24
